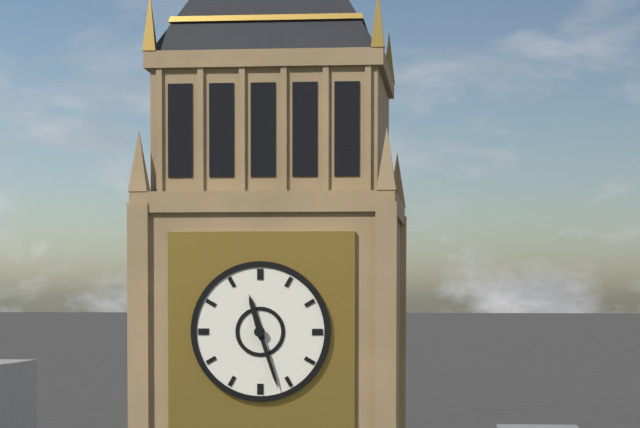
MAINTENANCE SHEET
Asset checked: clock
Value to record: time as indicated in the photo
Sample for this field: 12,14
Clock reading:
11,27
